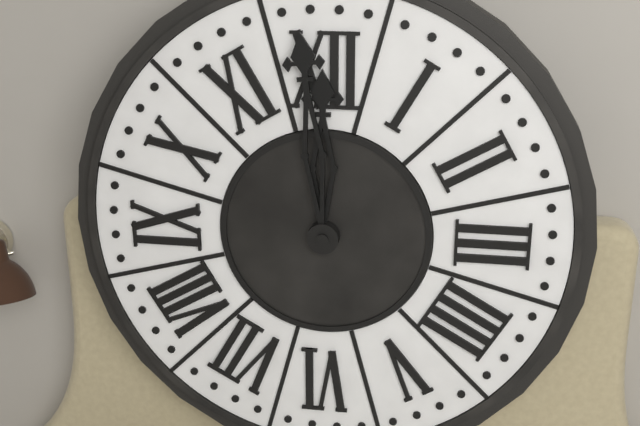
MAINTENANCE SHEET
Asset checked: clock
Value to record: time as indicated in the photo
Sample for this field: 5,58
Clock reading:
11,59
